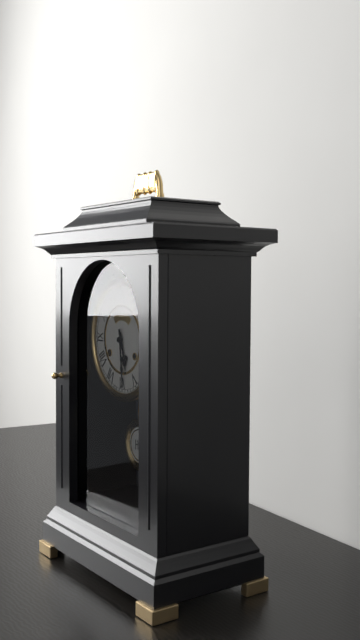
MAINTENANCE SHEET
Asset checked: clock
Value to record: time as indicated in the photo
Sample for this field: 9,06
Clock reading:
5,29
